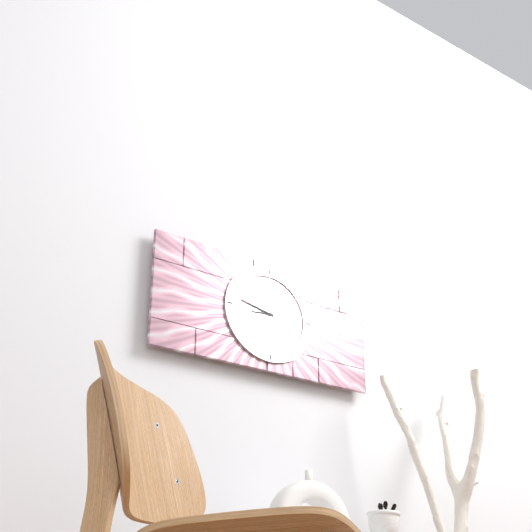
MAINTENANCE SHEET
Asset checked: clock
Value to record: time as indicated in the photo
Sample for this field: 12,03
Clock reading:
8,47
